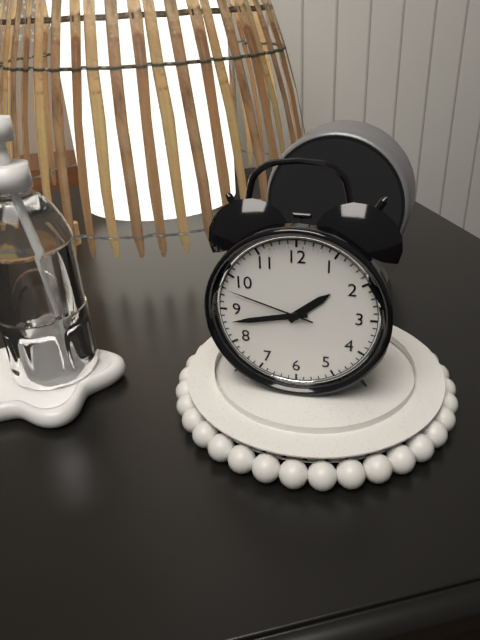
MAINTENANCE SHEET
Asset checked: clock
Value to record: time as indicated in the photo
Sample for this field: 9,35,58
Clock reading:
1,43,48
